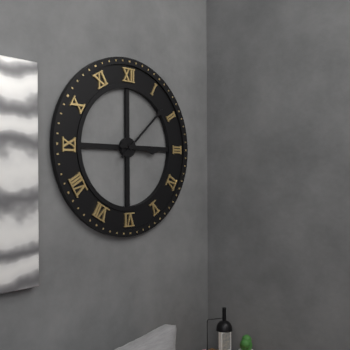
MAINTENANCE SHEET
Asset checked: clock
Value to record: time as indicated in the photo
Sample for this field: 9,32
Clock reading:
3,08
